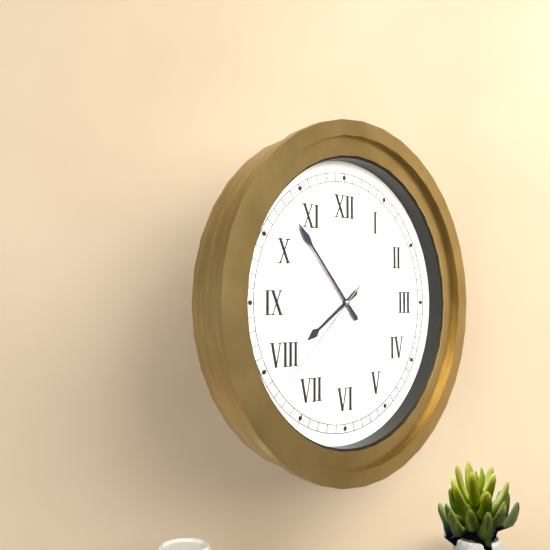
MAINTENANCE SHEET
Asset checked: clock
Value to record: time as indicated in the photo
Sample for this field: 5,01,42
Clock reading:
7,53,38
